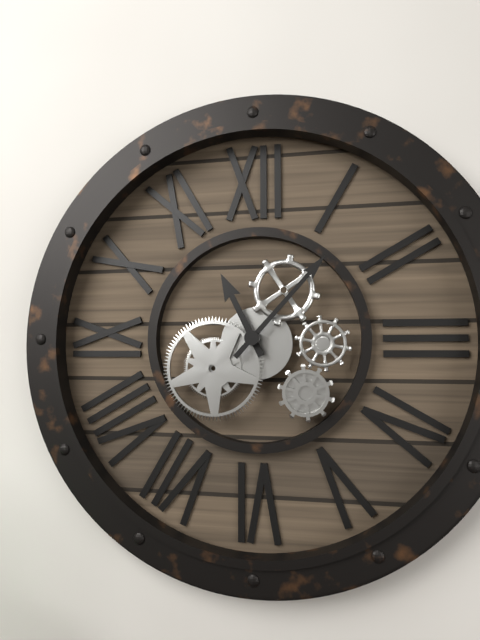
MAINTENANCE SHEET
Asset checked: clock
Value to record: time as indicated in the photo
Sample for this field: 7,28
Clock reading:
11,07
